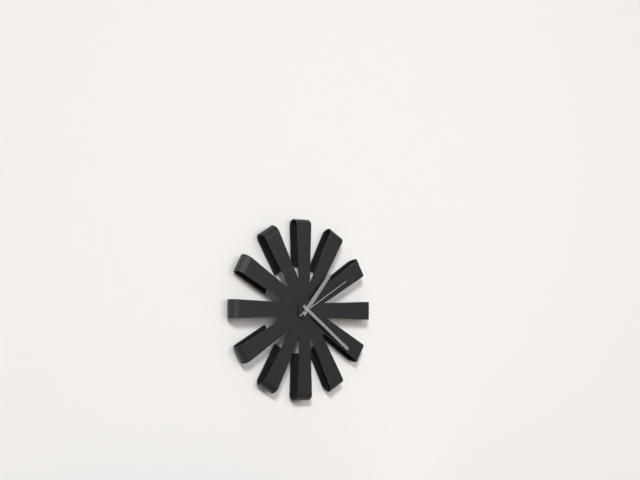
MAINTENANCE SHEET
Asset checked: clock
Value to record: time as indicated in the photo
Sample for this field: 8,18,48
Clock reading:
1,21,10
